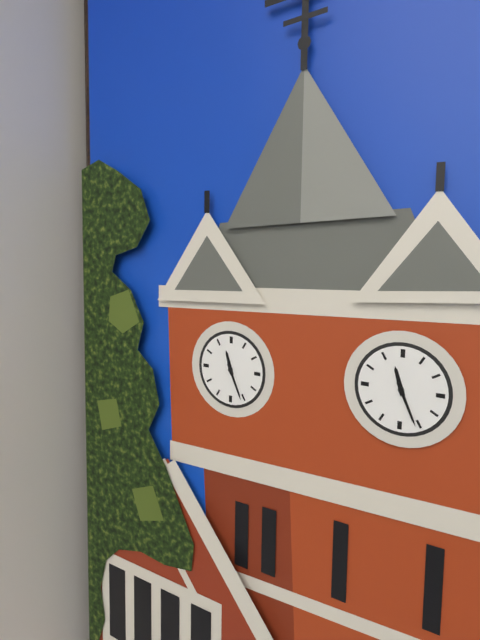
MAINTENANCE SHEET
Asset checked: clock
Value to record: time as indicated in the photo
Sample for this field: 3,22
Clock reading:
11,26
